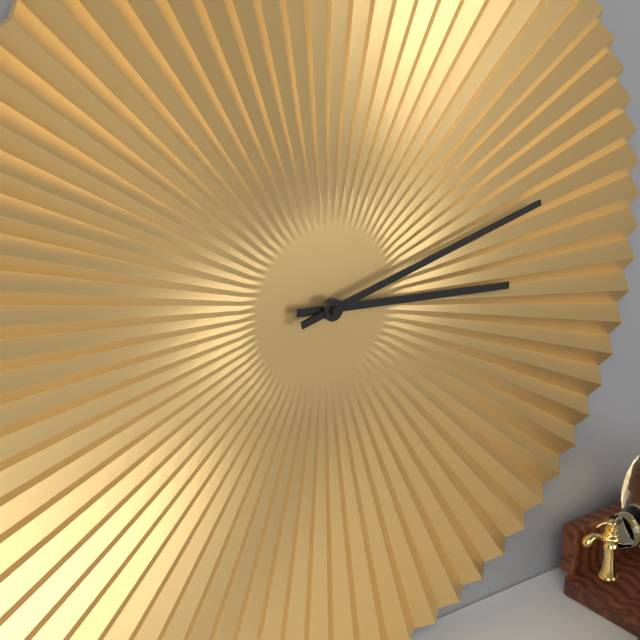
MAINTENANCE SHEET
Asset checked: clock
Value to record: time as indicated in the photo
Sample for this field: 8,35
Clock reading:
3,13
